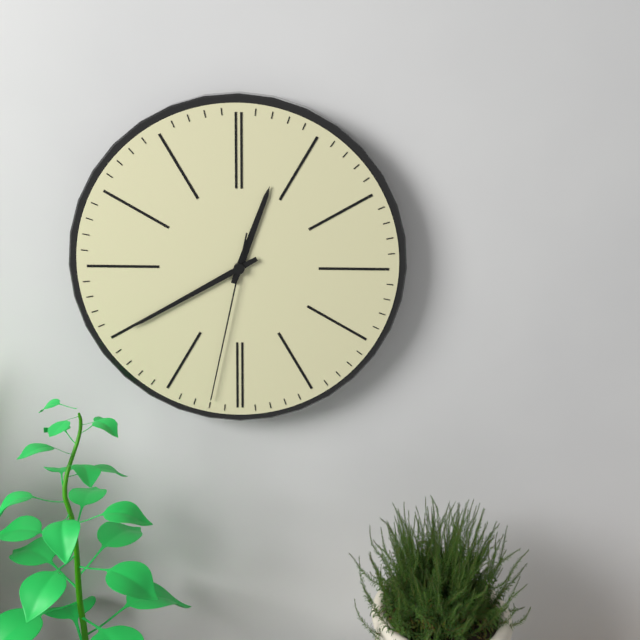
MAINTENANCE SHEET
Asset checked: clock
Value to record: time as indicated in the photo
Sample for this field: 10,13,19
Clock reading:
12,40,32
